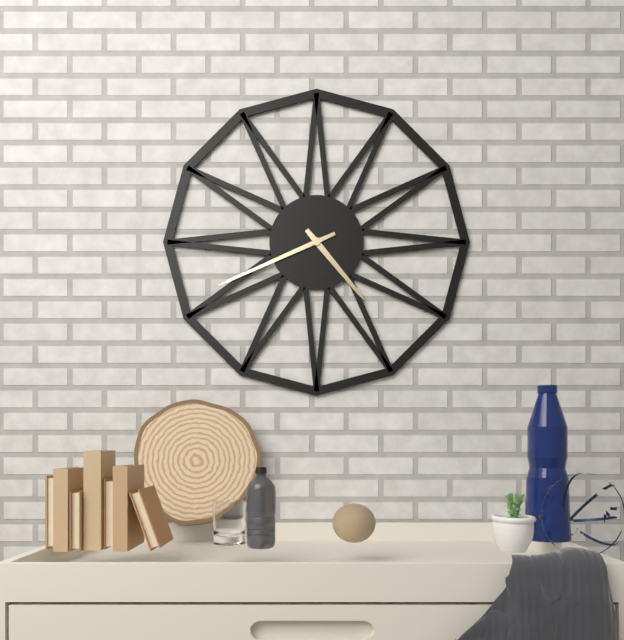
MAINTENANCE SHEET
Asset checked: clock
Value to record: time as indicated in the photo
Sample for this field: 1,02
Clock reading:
4,41
